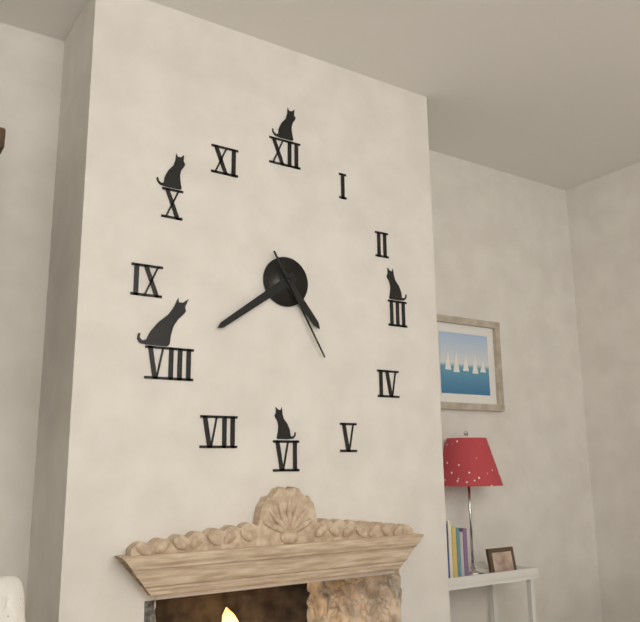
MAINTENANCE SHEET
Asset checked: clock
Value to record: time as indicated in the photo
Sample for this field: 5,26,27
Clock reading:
4,39,25
